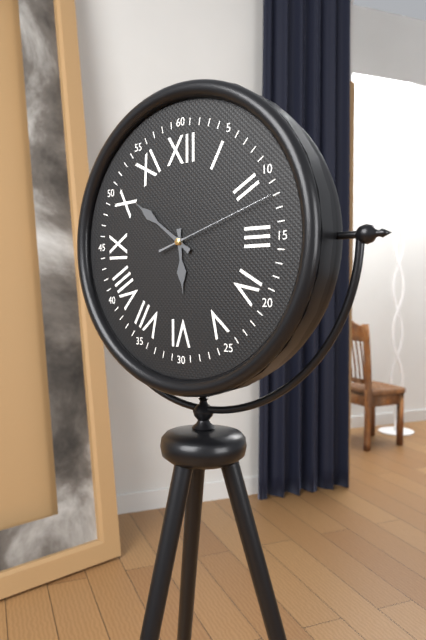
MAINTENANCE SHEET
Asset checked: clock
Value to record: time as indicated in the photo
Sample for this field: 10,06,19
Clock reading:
5,51,12
